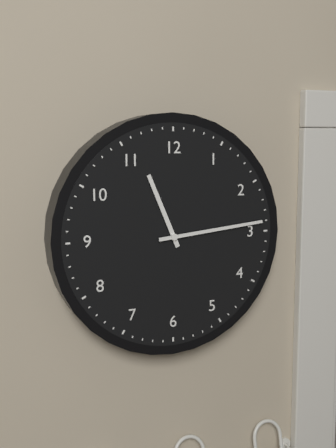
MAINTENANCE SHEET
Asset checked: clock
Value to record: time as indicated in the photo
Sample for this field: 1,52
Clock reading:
11,14
